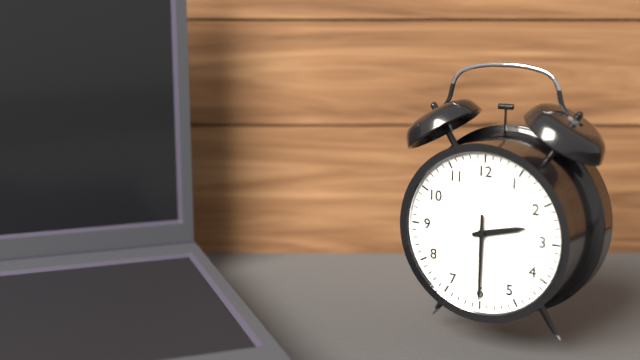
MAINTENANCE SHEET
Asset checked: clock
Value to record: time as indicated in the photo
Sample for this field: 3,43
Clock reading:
2,30
